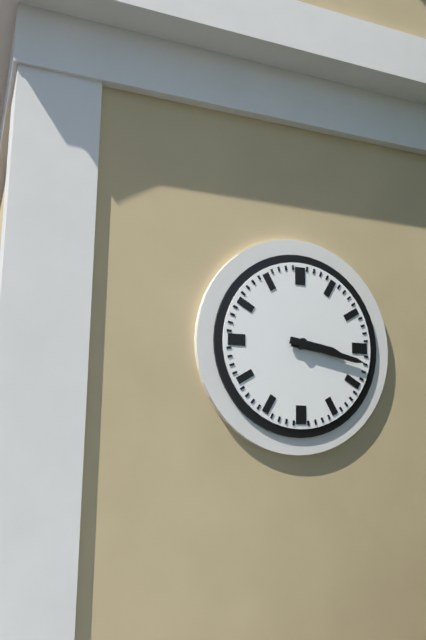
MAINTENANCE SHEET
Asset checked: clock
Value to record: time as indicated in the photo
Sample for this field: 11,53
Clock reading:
3,17
